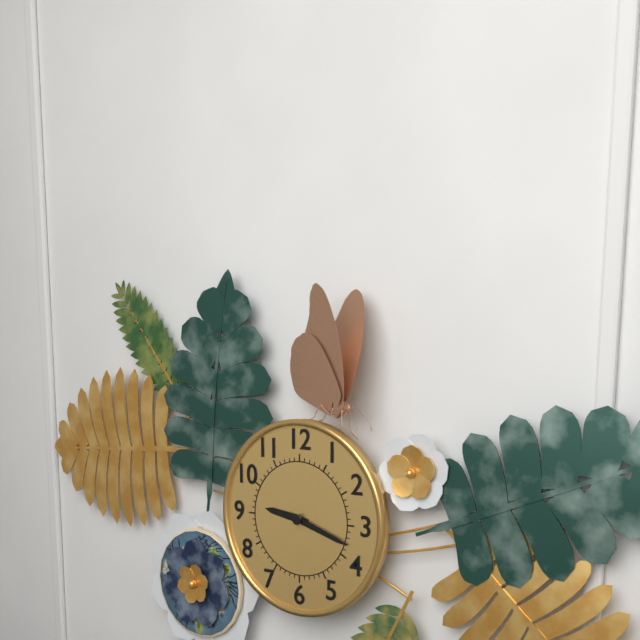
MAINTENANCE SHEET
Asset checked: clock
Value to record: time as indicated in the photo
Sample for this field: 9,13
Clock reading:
9,18
